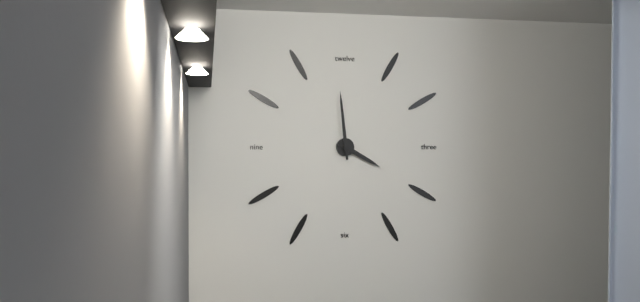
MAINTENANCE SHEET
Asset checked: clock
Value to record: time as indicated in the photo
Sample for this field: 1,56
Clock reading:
3,59
